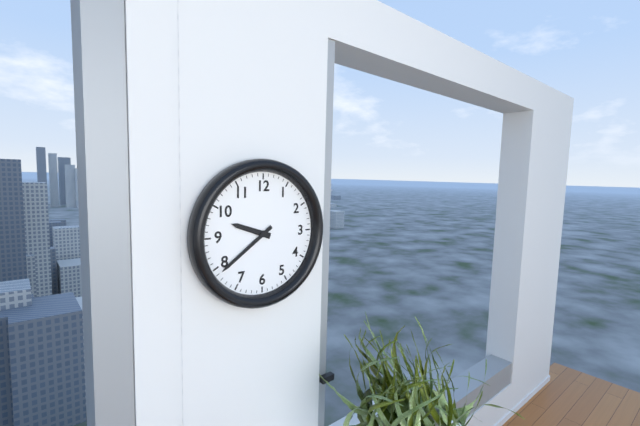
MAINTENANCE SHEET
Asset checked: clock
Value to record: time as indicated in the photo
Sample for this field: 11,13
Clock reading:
9,39
